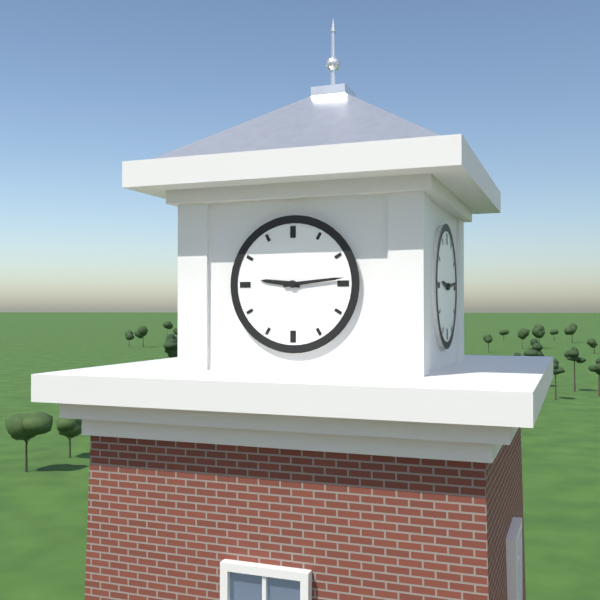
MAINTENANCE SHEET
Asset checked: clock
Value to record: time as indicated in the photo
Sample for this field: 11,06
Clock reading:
9,14
